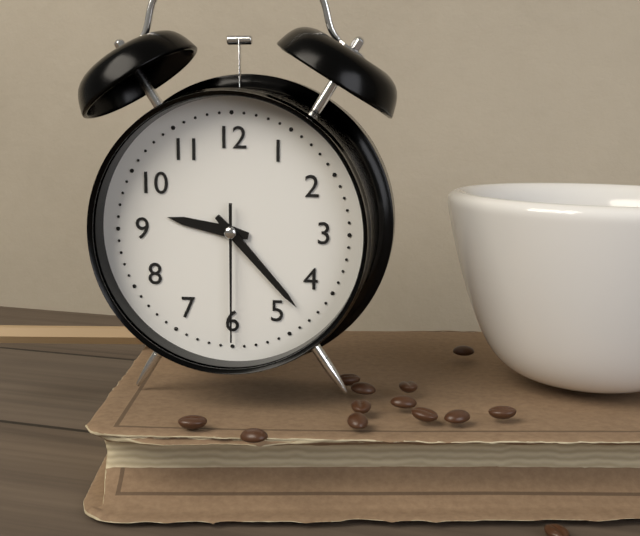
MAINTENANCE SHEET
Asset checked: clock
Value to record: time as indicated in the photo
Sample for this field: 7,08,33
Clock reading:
9,23,30
